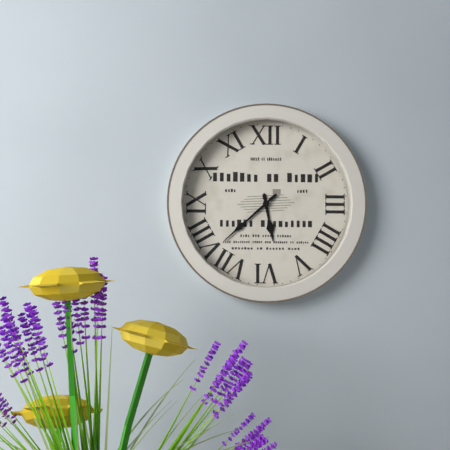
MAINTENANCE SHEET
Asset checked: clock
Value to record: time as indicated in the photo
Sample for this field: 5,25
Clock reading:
5,38
